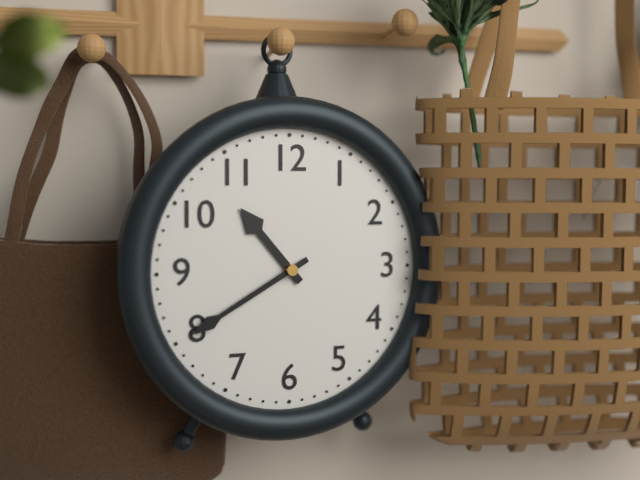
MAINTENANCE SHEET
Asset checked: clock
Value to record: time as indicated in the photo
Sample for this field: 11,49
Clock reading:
10,40
